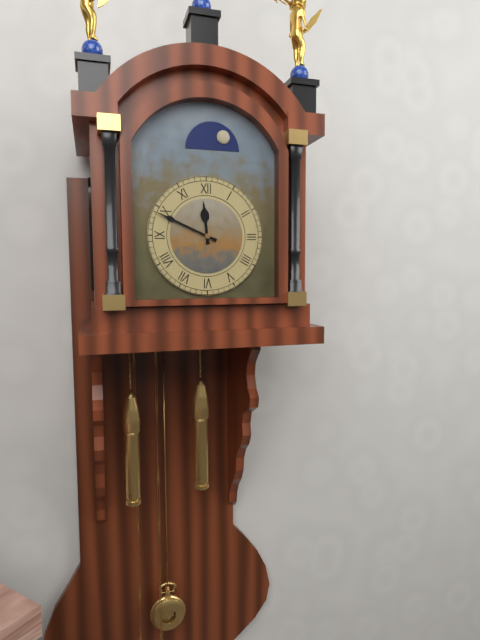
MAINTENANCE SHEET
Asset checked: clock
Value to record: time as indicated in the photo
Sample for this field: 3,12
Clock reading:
11,49
